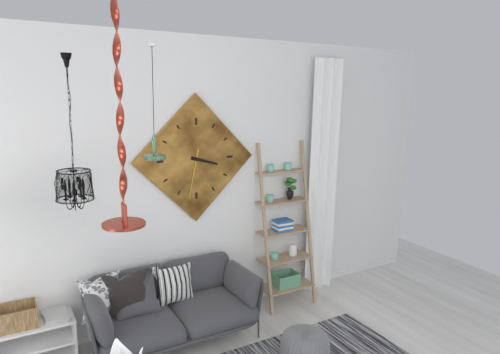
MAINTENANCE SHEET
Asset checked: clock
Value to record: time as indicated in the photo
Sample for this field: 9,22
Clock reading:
3,32
